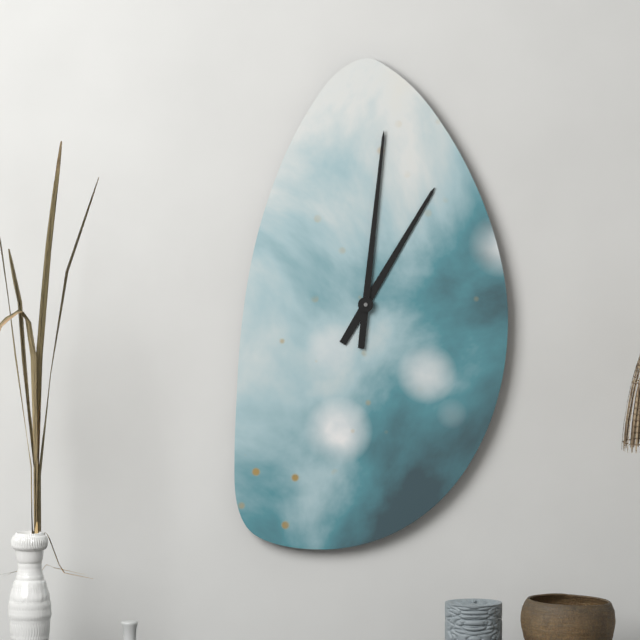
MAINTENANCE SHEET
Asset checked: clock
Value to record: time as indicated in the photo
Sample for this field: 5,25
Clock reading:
1,01
